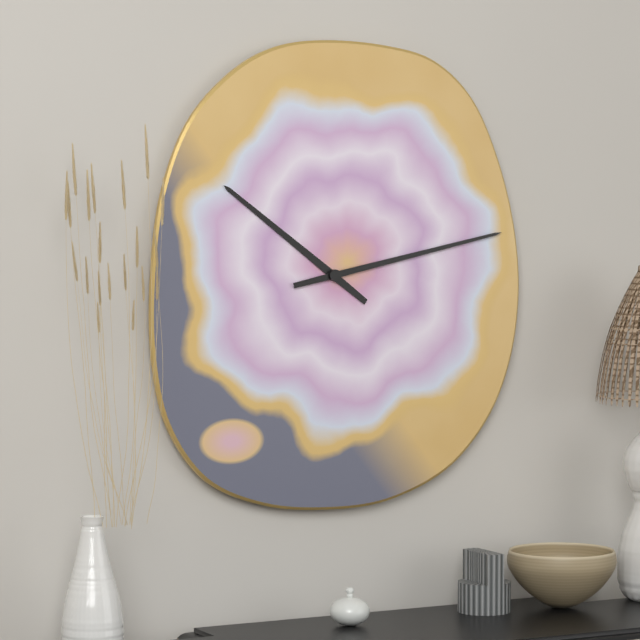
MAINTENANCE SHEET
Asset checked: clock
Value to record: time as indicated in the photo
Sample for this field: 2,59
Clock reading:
10,13
